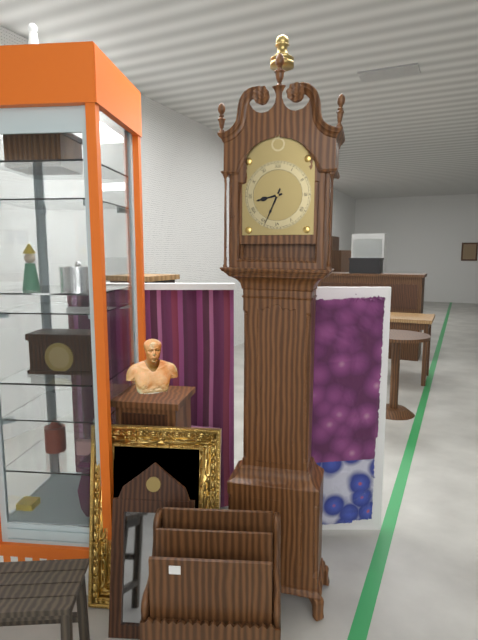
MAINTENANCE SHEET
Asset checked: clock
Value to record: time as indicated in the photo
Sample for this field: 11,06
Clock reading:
8,34
